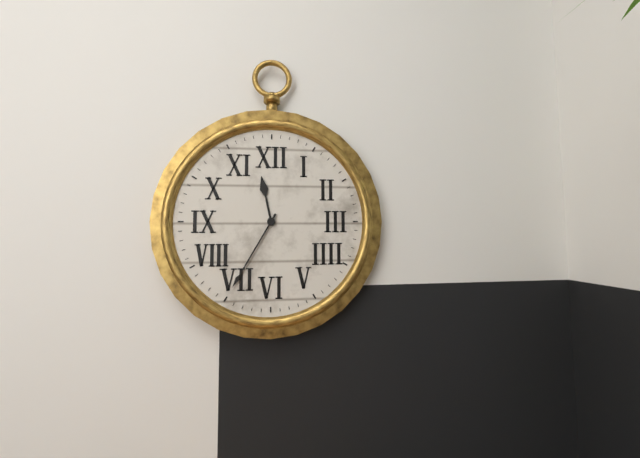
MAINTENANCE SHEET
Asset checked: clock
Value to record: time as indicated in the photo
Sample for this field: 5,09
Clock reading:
11,35
